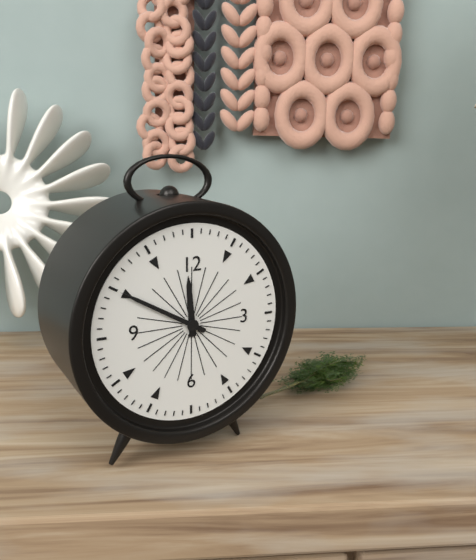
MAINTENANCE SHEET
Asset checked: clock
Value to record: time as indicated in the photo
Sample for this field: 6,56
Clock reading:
11,50
